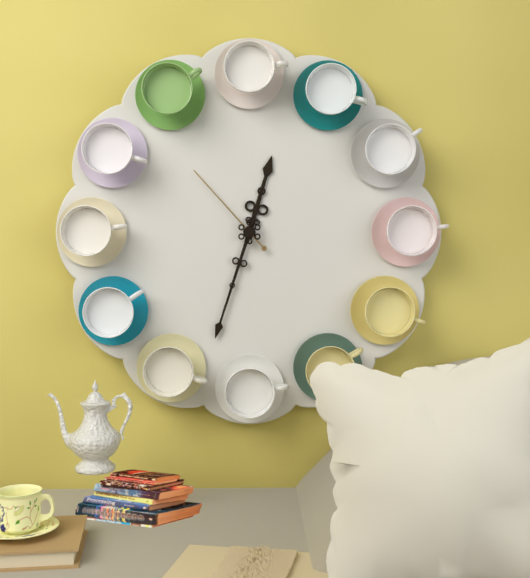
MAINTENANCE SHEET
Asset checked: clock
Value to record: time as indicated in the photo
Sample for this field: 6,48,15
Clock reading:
12,33,53
